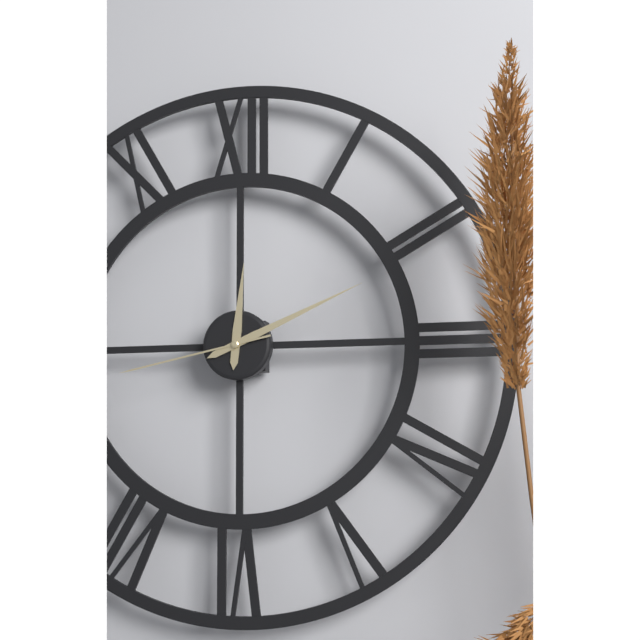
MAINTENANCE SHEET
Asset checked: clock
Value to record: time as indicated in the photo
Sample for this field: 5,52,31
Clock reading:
12,11,43
